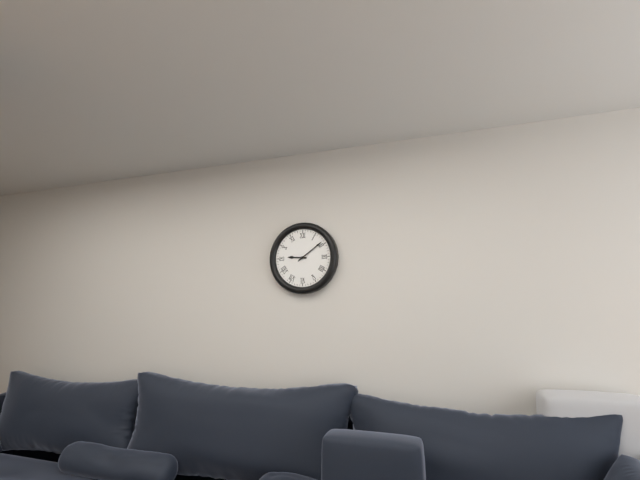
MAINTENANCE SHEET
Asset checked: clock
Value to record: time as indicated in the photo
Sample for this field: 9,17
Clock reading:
9,09
